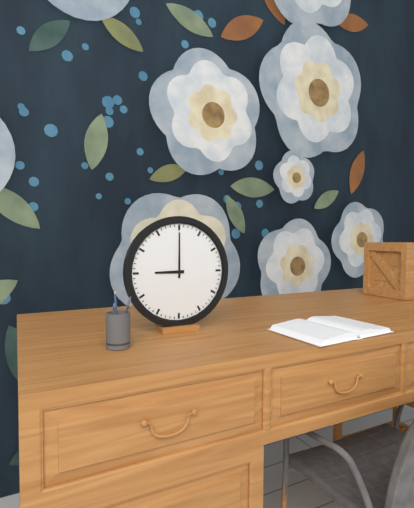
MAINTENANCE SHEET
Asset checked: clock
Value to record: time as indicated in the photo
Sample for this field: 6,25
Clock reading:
9,00
